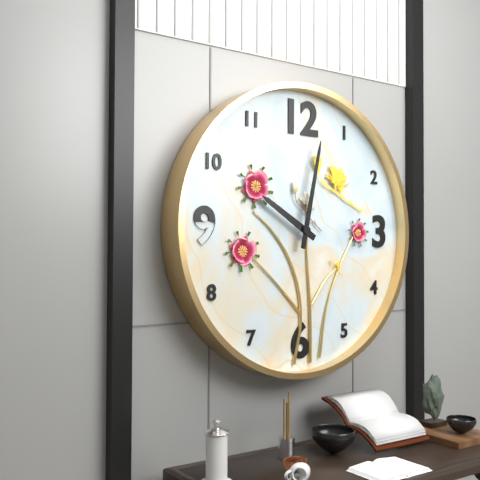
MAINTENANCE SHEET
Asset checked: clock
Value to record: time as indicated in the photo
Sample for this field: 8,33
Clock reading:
10,02
